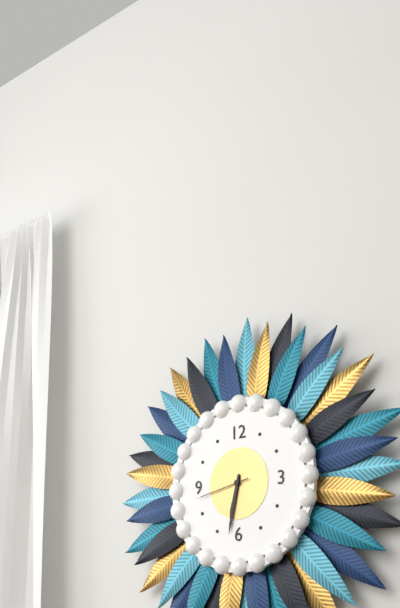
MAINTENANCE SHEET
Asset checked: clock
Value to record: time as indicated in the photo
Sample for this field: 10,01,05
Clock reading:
6,32,43
